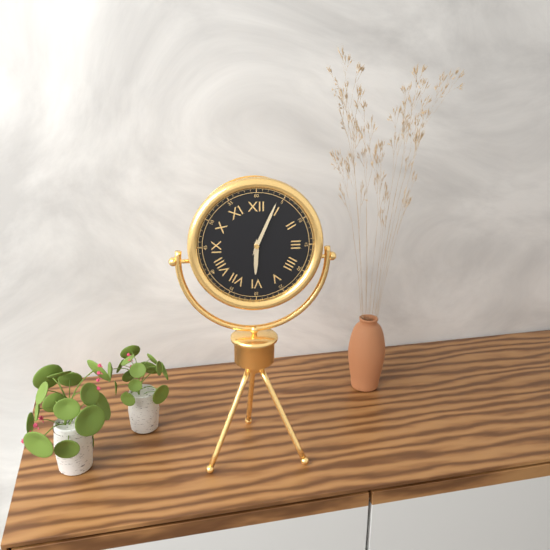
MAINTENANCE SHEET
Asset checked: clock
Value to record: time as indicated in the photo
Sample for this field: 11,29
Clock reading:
6,04
